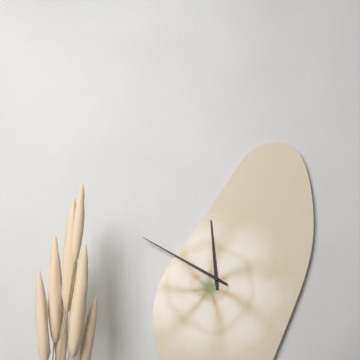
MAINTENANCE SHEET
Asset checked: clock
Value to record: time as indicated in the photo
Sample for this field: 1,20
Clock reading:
11,50
